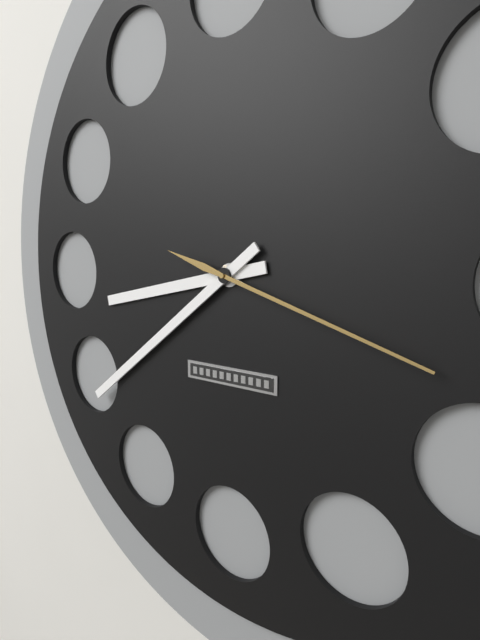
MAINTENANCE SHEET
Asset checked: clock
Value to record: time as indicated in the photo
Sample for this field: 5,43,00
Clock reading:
8,39,18
